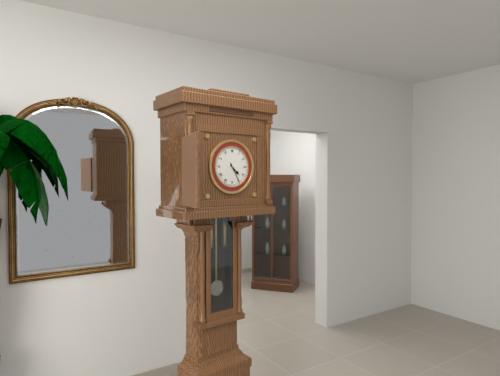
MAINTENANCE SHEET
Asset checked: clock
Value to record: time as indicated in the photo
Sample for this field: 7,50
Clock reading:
4,25
